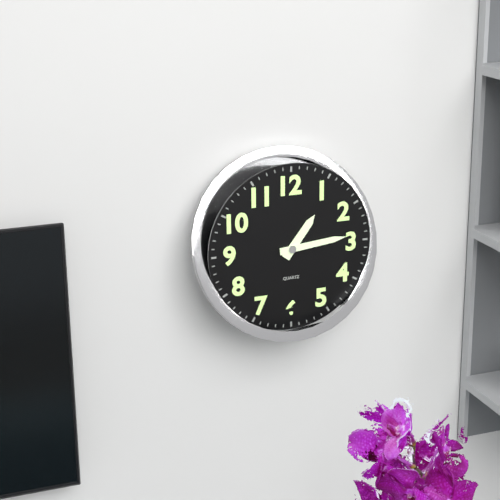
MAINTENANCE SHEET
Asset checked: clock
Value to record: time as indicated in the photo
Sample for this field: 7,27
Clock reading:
1,14
